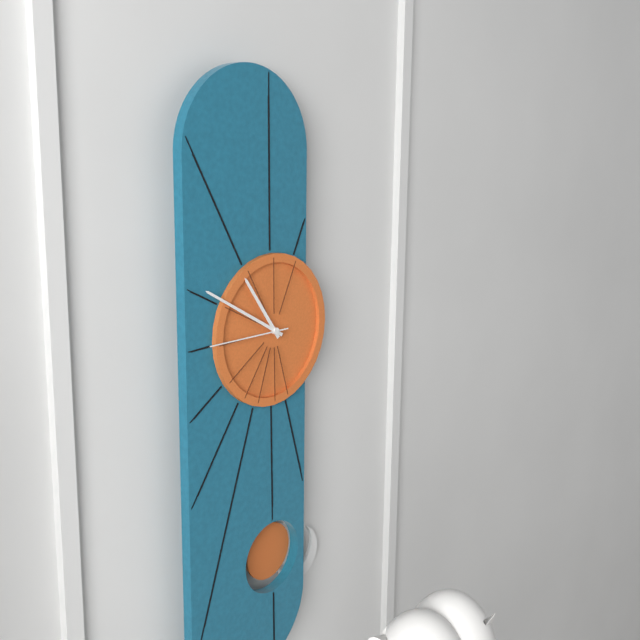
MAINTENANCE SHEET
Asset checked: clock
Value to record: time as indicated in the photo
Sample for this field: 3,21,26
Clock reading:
10,50,45
